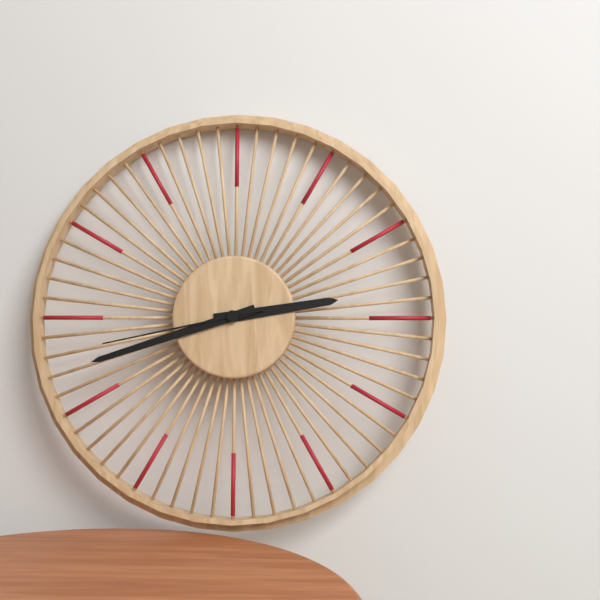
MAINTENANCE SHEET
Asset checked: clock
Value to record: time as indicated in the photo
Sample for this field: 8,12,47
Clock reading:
2,42,43
